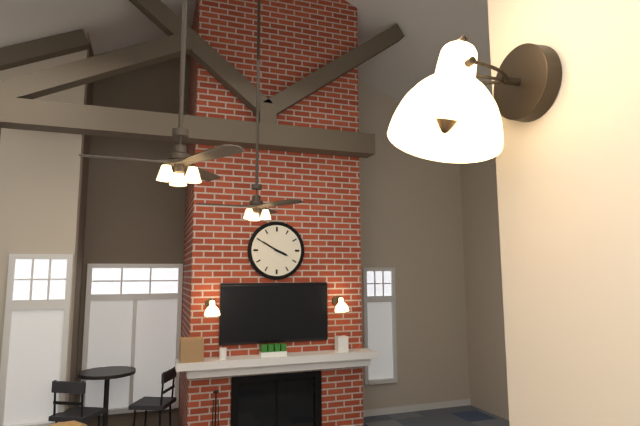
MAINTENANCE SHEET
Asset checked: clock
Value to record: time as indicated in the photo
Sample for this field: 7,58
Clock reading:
3,50
